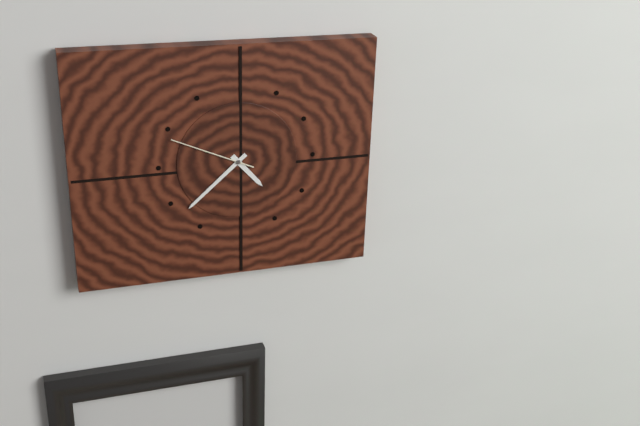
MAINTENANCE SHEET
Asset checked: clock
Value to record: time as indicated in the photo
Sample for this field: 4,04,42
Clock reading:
4,38,49
